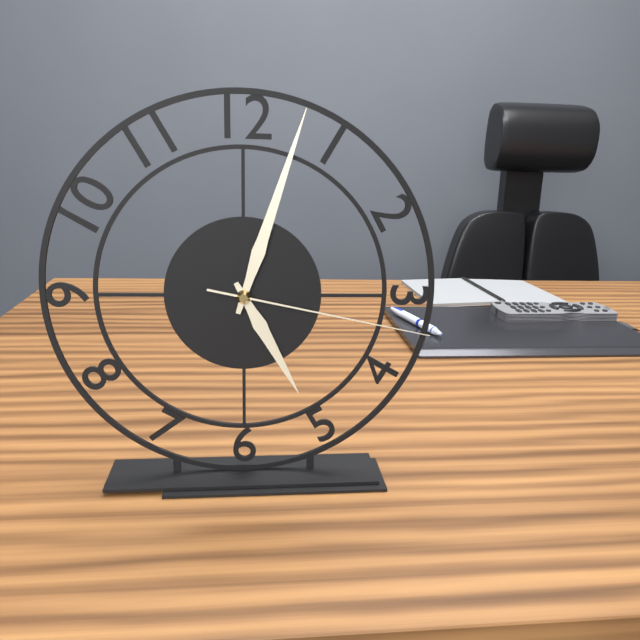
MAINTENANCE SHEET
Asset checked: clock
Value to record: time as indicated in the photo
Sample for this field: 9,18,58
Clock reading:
5,03,17
